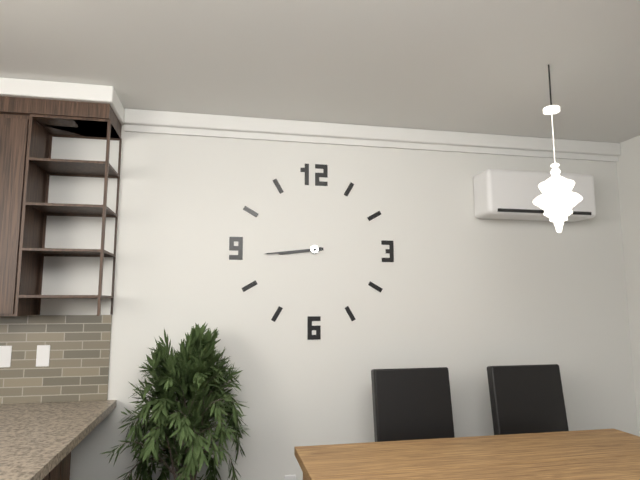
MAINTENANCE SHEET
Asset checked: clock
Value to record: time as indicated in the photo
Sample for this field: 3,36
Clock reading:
8,44
